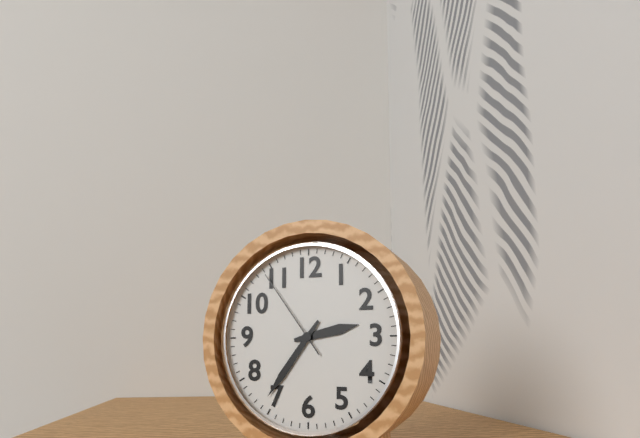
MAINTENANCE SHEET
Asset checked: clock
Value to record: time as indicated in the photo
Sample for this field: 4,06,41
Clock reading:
2,36,54
